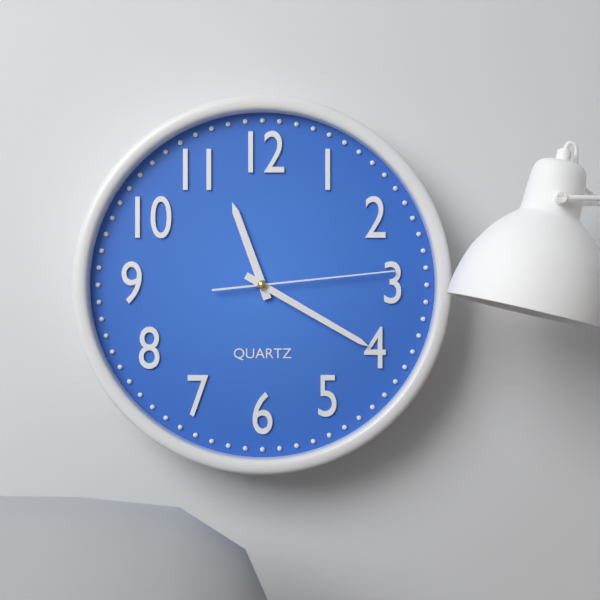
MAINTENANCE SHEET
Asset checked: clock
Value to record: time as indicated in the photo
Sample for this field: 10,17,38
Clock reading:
11,20,14
